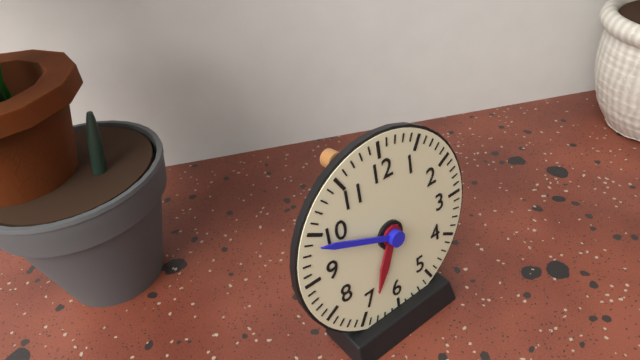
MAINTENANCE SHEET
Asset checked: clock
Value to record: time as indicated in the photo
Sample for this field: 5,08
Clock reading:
6,49
